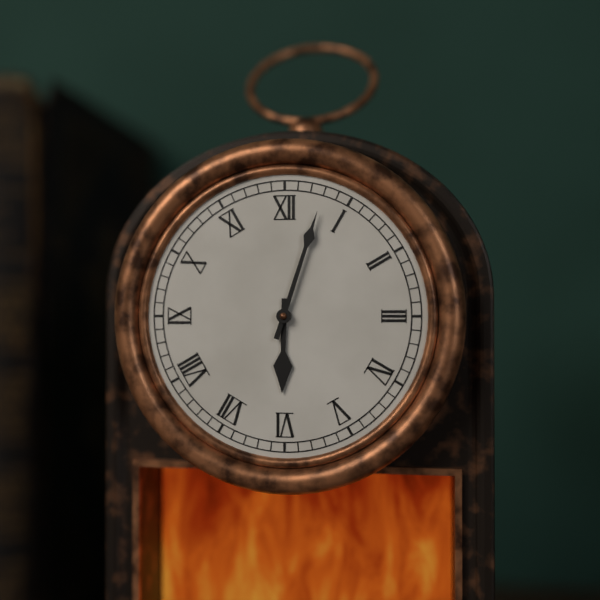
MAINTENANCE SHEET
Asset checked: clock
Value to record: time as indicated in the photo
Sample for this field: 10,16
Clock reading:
6,03
